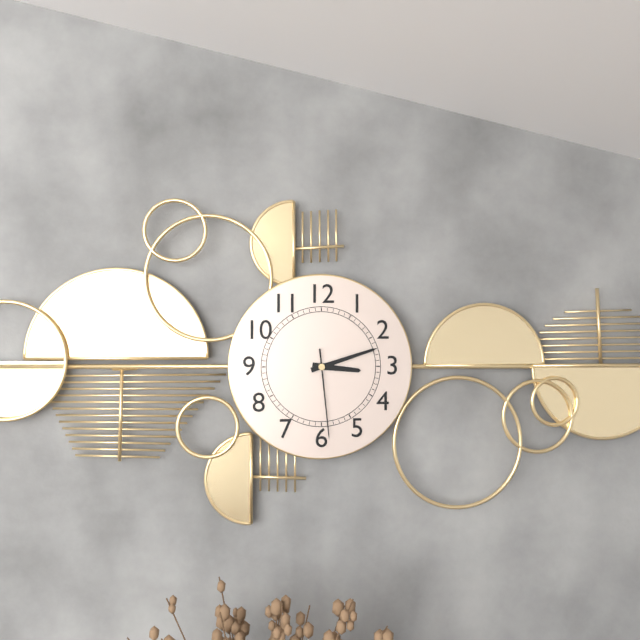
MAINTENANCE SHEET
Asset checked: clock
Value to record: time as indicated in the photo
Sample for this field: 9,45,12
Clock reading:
3,12,29
